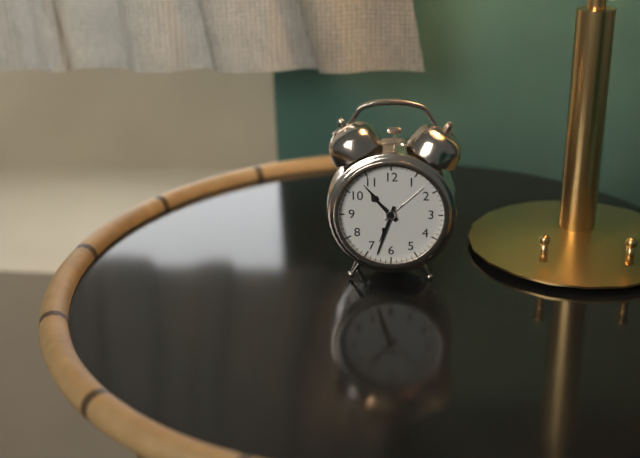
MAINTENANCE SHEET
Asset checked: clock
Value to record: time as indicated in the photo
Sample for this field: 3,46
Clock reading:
10,33
